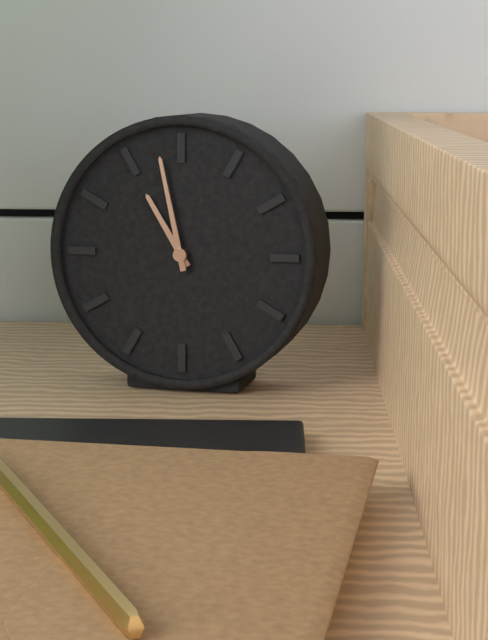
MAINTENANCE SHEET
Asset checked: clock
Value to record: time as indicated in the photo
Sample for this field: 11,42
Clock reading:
10,58
